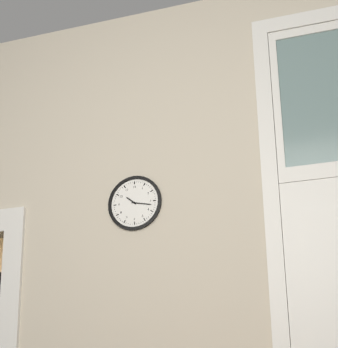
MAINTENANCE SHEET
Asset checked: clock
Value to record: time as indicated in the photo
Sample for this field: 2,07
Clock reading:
10,17
